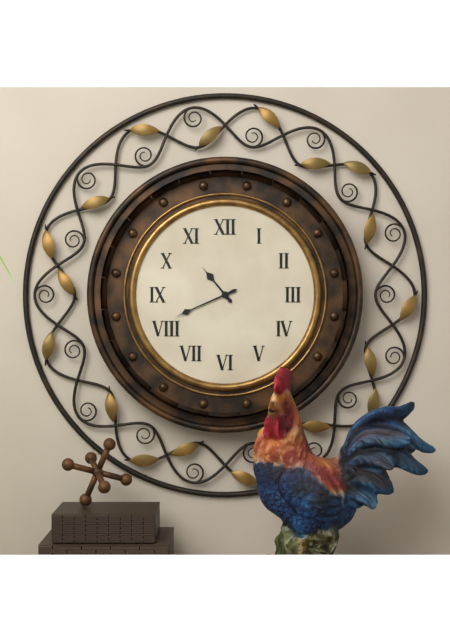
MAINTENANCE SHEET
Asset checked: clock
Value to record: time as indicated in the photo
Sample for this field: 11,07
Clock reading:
10,41
